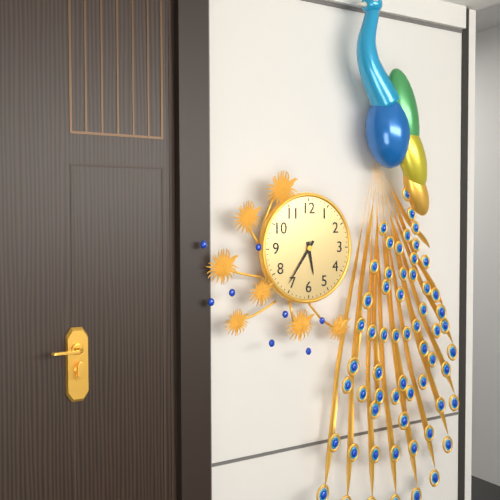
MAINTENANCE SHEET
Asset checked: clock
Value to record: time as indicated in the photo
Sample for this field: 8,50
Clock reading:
5,36
